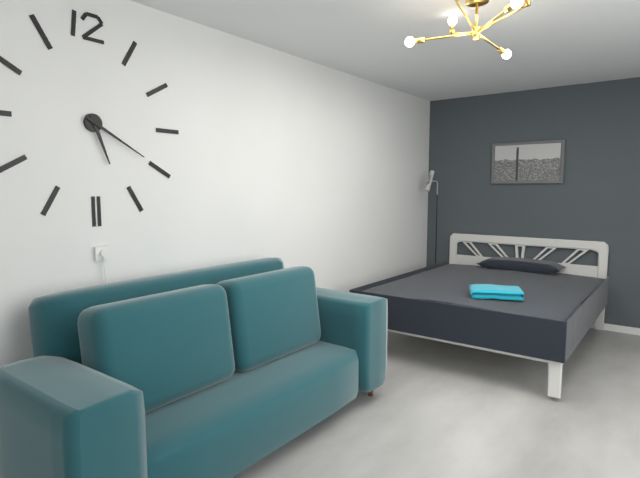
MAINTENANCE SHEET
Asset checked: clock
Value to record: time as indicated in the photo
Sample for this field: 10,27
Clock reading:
5,20
